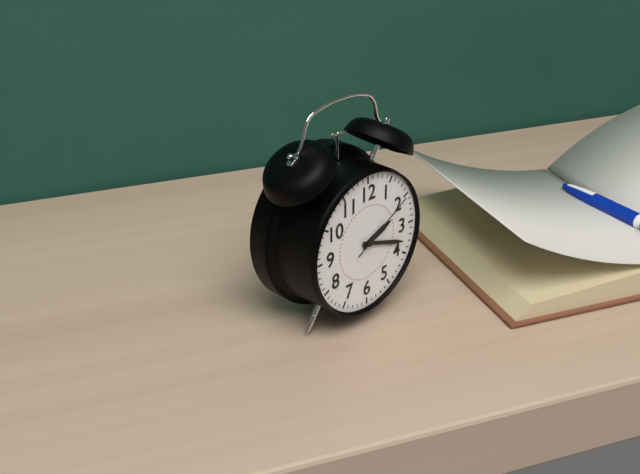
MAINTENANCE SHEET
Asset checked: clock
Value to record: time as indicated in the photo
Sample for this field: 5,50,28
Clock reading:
2,18,10
